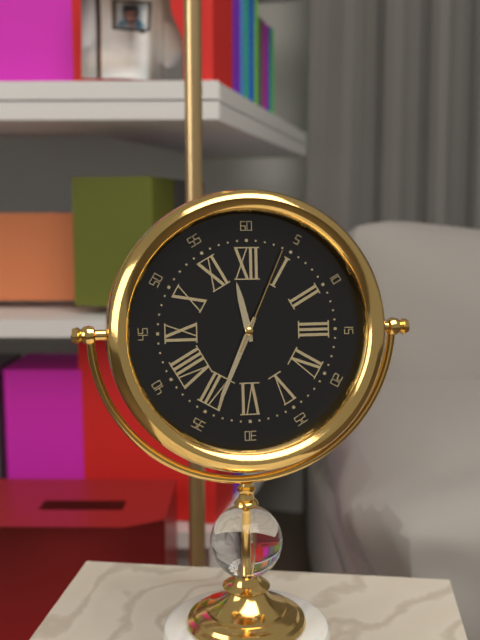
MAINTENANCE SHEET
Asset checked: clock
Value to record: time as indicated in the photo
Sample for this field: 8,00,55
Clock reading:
11,34,04
